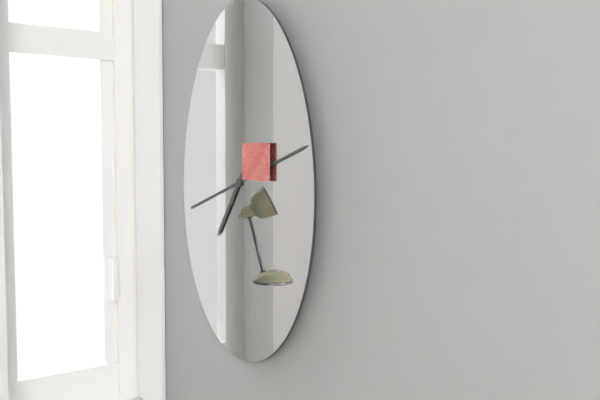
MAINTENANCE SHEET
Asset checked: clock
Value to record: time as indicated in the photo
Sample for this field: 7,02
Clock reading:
7,12
